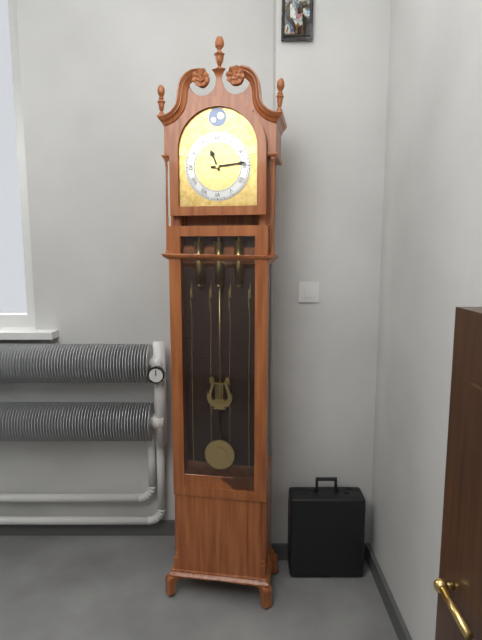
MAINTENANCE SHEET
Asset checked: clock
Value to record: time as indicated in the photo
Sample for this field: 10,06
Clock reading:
11,14
